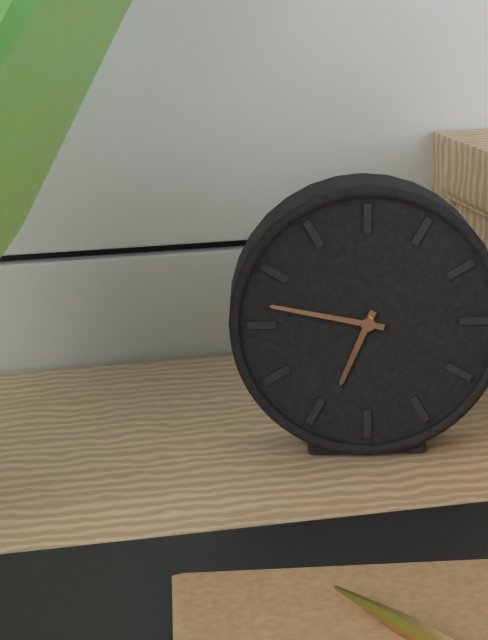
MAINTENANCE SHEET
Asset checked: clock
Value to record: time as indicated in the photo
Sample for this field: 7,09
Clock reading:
6,47
